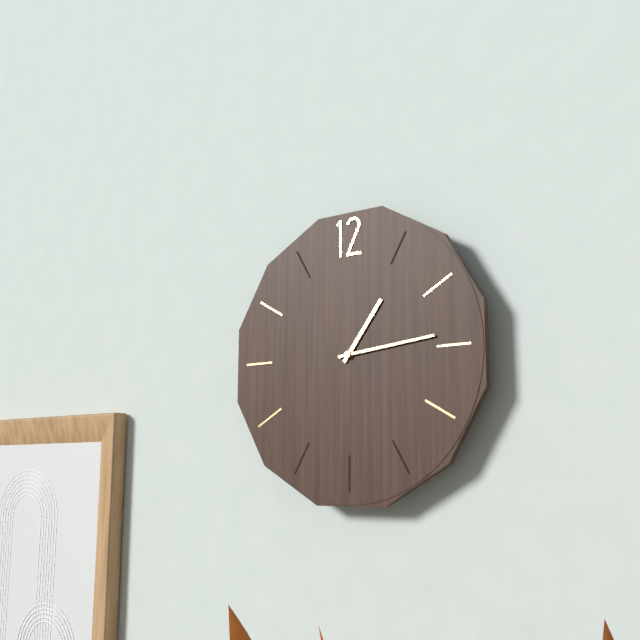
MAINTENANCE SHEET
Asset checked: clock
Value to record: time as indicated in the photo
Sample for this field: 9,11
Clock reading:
1,14
